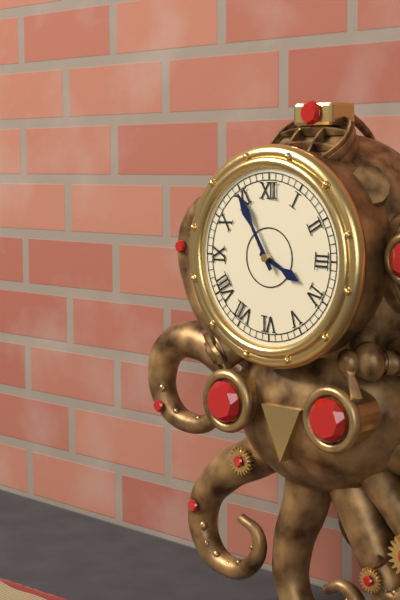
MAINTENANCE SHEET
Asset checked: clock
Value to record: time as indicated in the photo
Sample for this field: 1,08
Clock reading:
3,55
